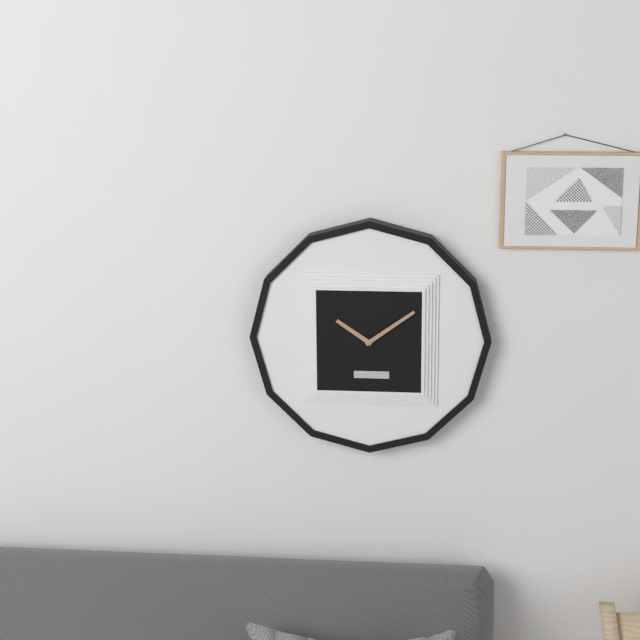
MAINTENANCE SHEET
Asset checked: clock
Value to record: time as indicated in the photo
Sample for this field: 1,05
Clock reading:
10,09
